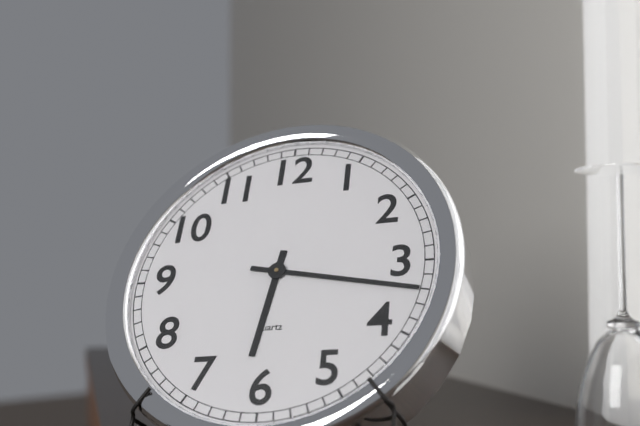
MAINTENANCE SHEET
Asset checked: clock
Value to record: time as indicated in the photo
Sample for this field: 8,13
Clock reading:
6,17
